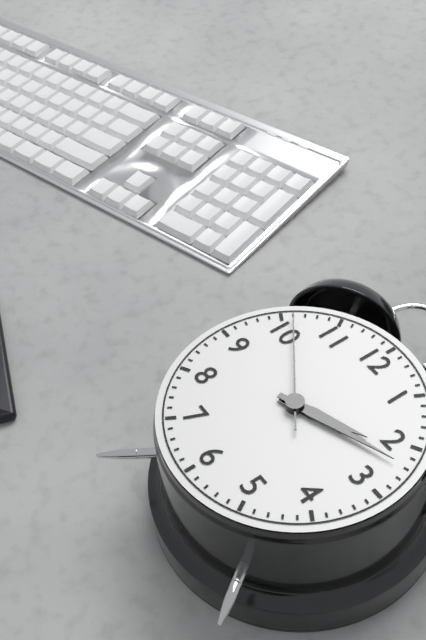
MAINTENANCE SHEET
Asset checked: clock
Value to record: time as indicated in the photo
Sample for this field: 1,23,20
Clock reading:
2,12,51
